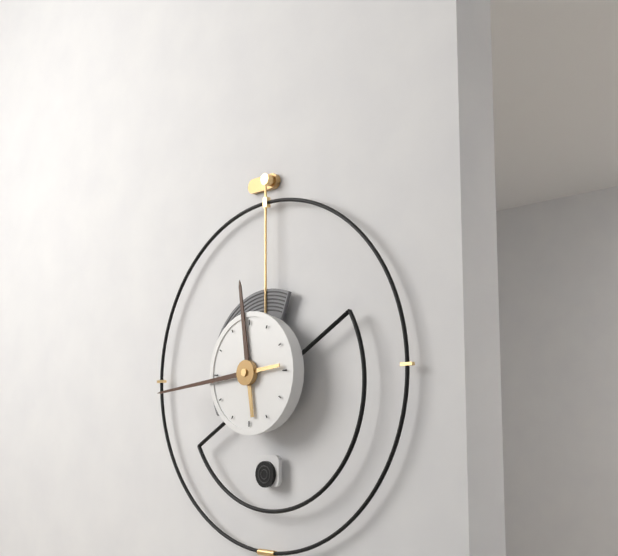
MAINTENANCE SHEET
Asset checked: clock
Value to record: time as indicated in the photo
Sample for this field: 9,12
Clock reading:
11,44
